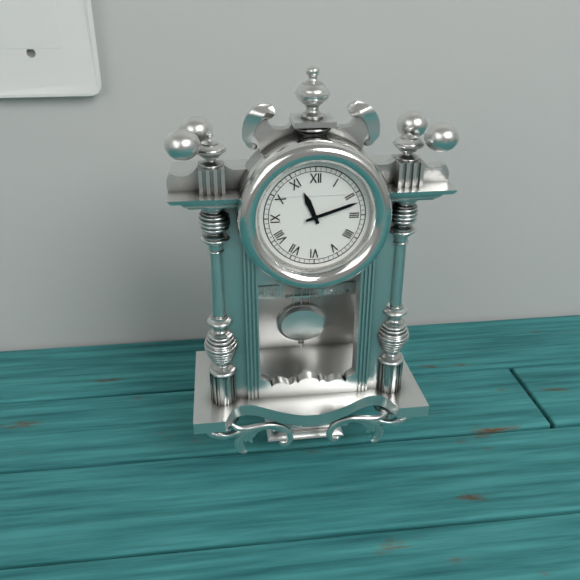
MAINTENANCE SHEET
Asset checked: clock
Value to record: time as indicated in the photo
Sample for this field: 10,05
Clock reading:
11,12
